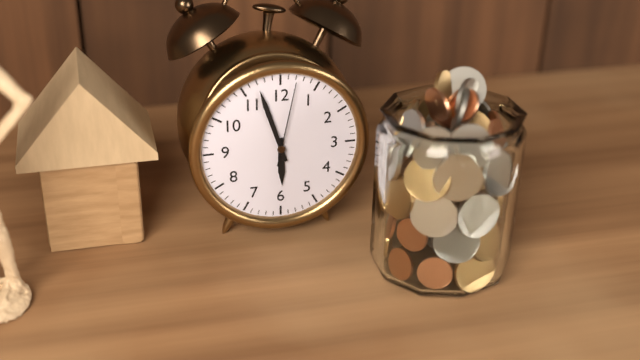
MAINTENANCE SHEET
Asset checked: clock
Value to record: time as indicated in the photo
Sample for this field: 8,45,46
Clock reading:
5,57,02
